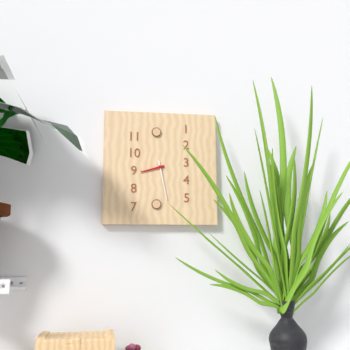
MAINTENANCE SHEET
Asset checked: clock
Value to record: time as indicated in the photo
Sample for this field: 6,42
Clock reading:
8,28
